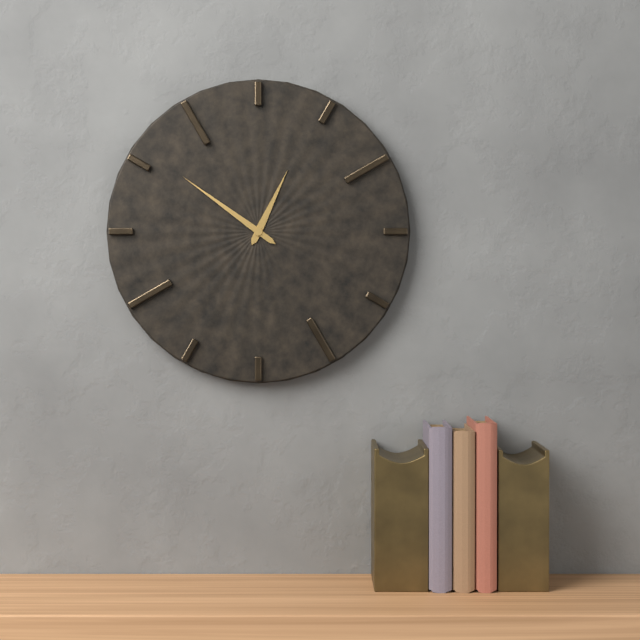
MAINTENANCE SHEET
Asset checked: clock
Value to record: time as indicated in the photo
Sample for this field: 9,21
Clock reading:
12,51
